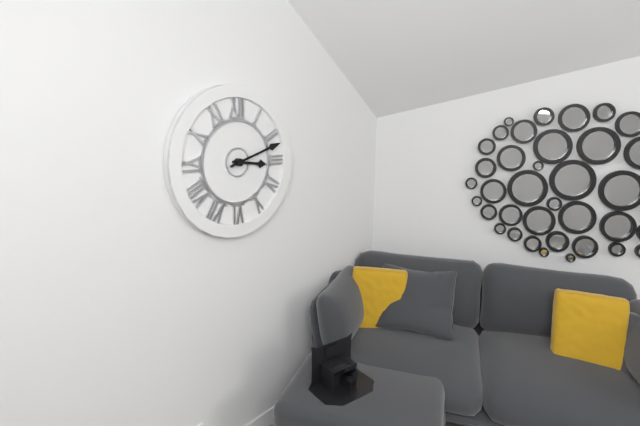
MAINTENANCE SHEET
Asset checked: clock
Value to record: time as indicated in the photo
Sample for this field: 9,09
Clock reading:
3,12
